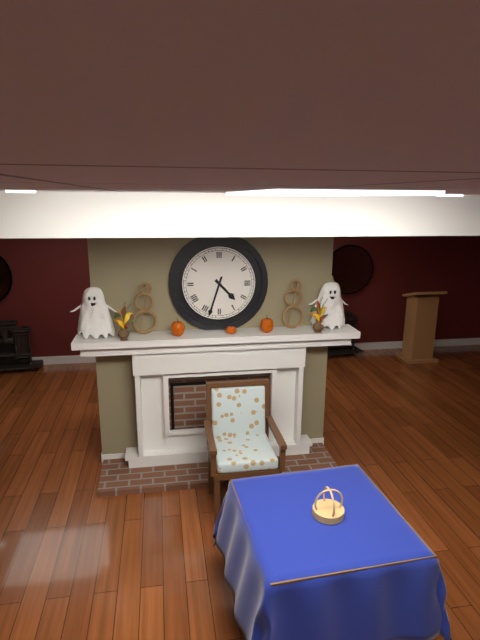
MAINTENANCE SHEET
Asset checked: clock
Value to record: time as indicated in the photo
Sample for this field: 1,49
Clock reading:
4,33
